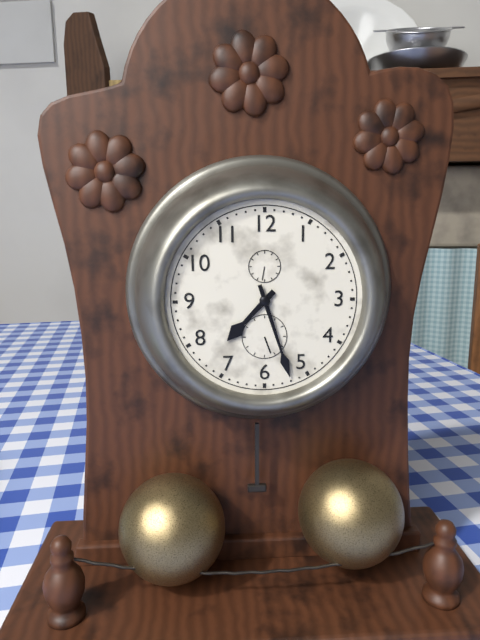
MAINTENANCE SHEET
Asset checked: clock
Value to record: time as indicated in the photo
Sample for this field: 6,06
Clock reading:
7,27
